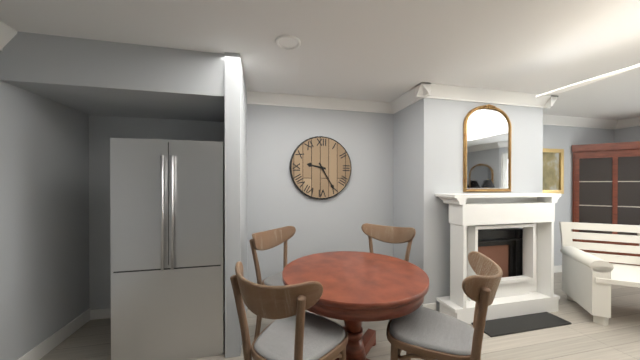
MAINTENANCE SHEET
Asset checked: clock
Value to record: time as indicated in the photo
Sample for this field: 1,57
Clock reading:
9,25
